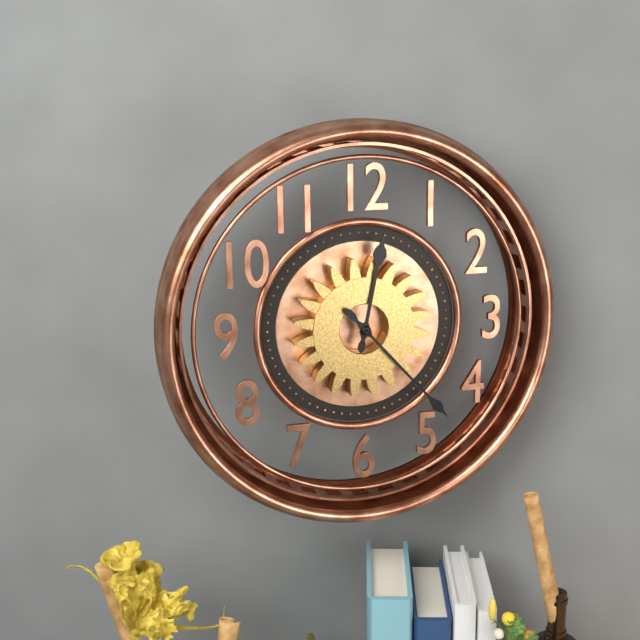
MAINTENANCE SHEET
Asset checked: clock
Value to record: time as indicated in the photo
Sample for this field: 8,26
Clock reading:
12,23
